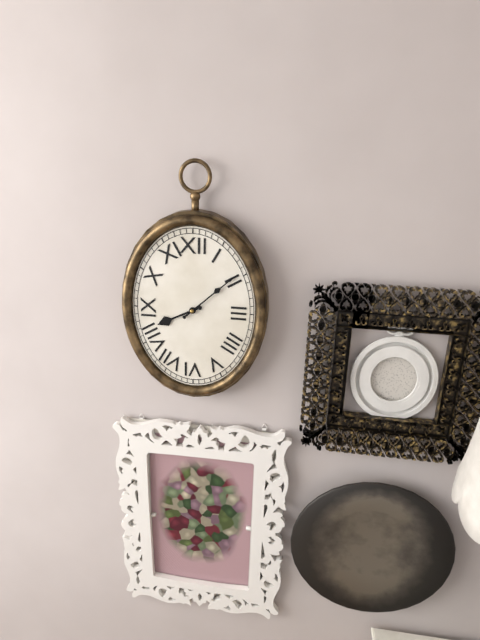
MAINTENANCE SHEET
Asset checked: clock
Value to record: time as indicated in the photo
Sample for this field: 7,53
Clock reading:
8,08
